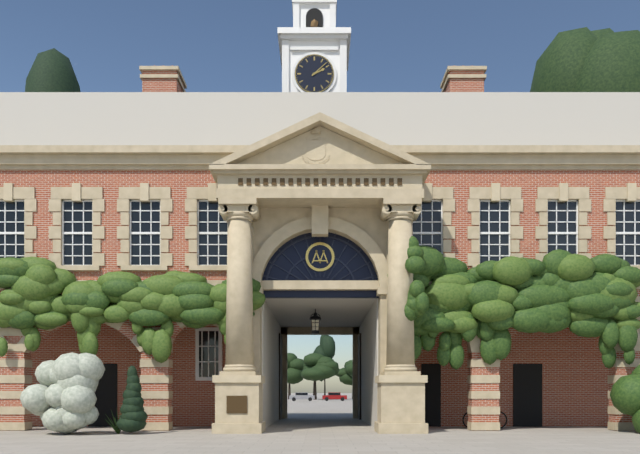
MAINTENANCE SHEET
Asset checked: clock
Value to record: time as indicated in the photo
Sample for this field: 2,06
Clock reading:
2,08
